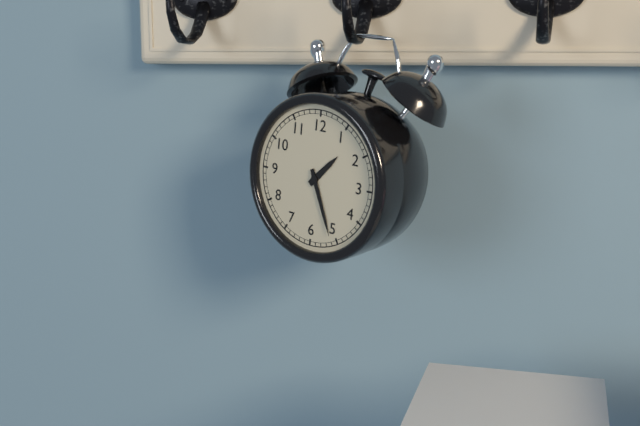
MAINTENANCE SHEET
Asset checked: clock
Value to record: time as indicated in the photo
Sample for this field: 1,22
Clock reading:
1,26
